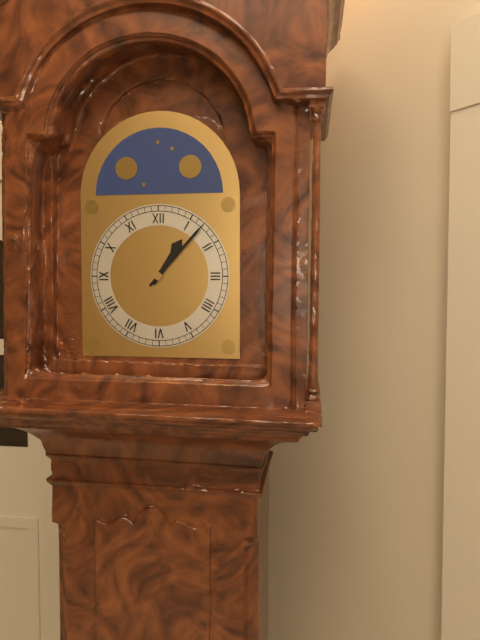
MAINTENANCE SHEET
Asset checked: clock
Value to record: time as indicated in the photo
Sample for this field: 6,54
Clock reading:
1,07
